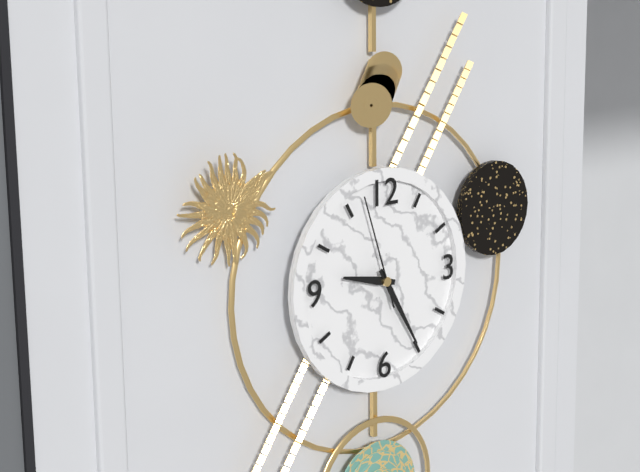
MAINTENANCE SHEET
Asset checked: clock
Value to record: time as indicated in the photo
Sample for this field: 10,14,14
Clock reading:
9,25,57
